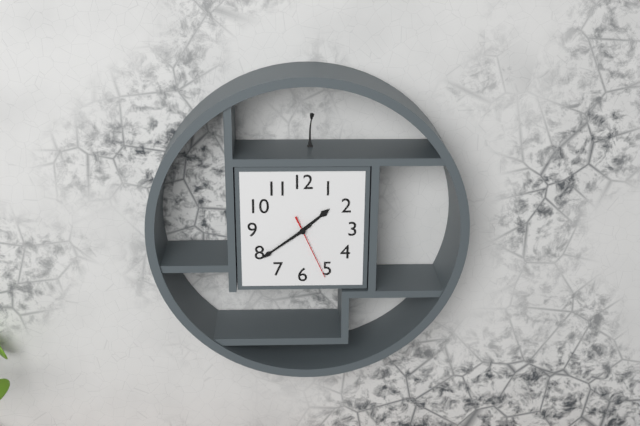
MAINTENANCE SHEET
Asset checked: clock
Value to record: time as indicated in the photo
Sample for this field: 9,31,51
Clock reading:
1,39,26
